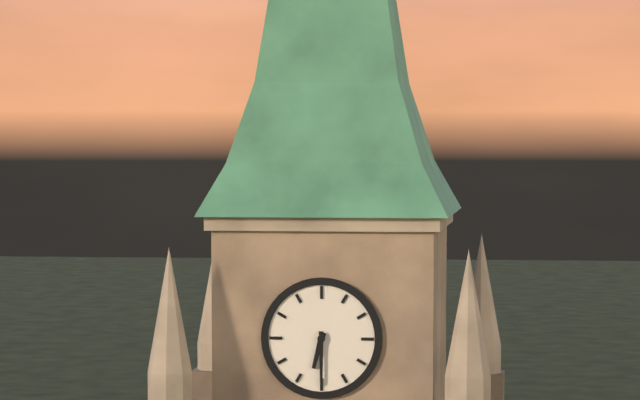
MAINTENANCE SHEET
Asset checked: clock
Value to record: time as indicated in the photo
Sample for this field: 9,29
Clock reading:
6,30
